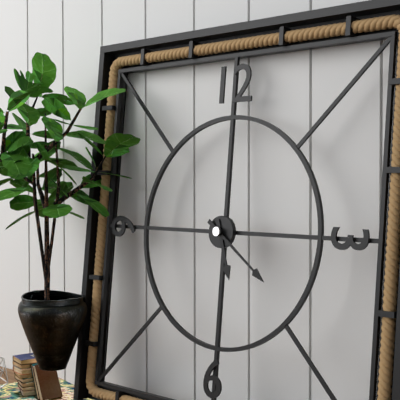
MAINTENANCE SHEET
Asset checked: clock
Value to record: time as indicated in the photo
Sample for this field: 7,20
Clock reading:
5,21
